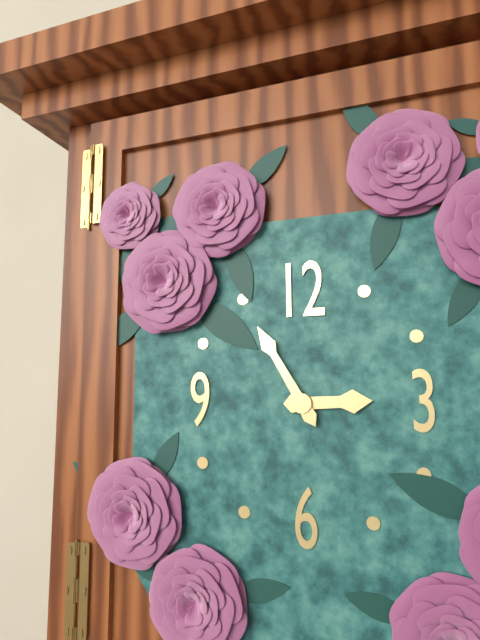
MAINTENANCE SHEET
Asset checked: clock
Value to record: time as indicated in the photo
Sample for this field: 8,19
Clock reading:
2,55
